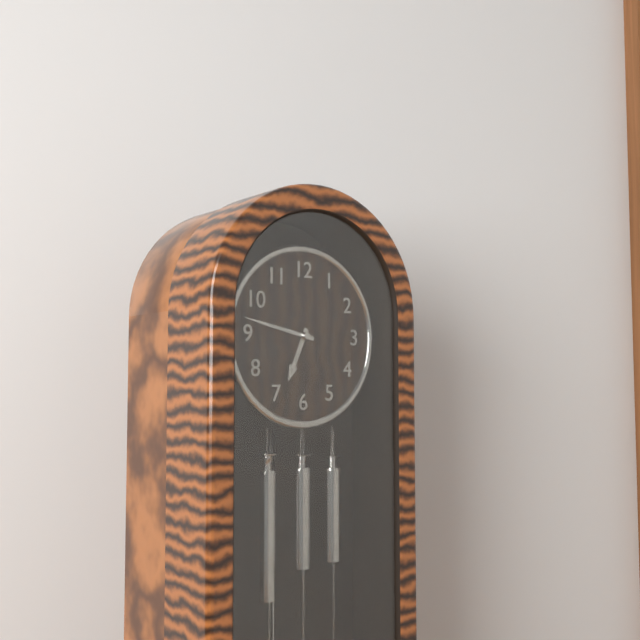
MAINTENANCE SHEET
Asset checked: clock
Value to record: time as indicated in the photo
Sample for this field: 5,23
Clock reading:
6,47
